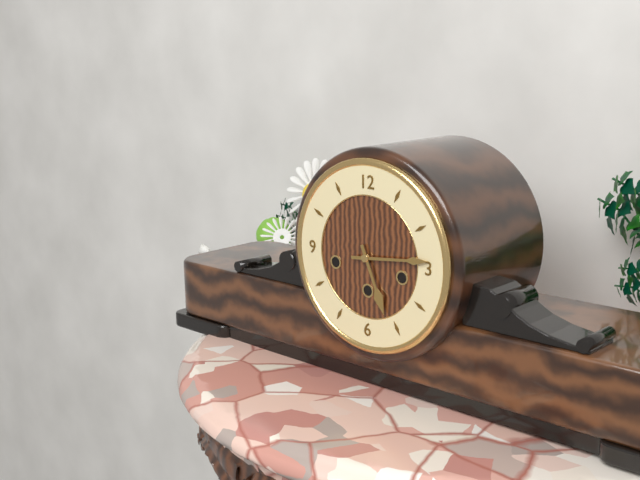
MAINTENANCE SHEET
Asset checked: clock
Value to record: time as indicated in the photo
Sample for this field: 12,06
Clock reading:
5,14
